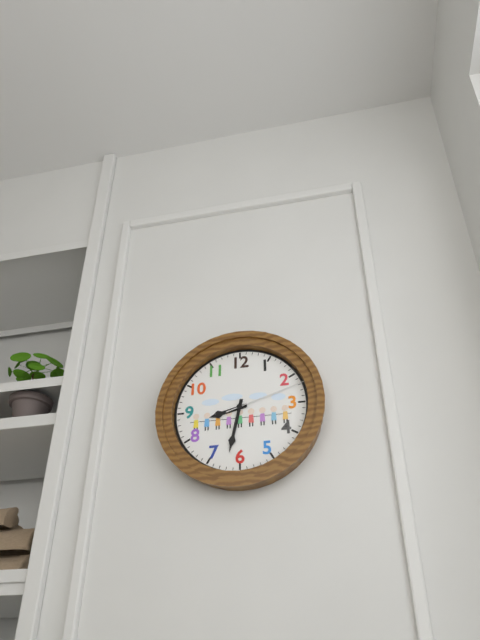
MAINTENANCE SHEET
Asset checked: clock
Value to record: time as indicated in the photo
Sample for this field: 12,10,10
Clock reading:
8,32,12
